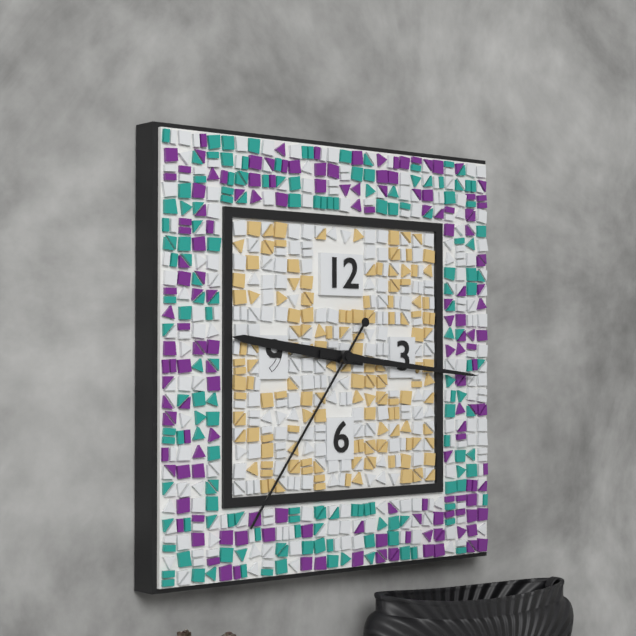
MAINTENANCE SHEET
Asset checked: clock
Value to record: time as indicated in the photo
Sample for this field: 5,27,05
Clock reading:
9,16,36
